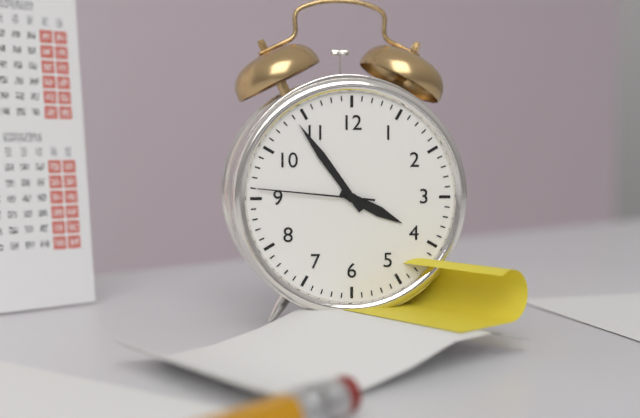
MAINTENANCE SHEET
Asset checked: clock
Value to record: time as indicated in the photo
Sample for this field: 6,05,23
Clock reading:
3,54,46
